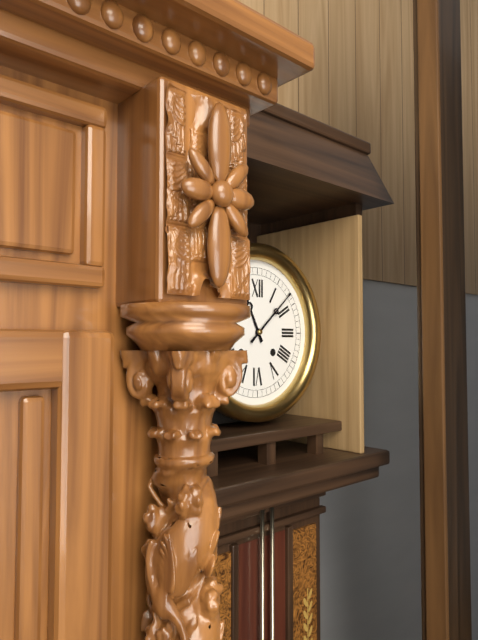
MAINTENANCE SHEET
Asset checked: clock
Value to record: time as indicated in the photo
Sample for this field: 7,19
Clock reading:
11,08
